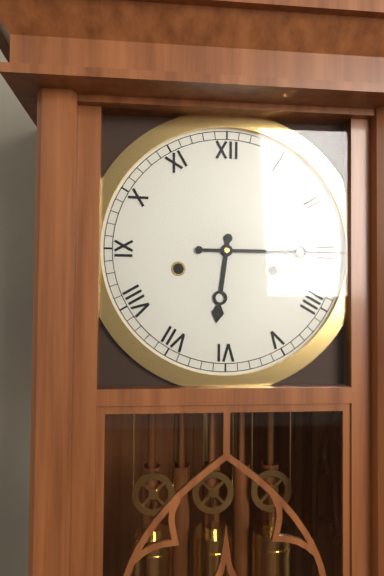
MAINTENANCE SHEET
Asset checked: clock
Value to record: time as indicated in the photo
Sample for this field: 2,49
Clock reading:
6,15
